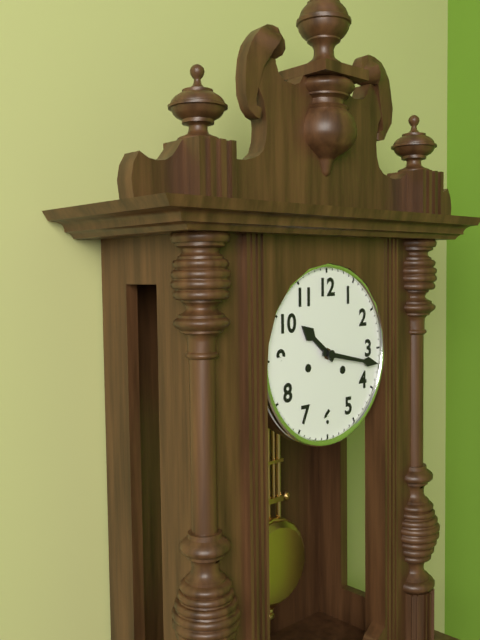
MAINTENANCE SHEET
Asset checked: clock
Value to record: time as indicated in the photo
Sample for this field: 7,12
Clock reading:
10,17
